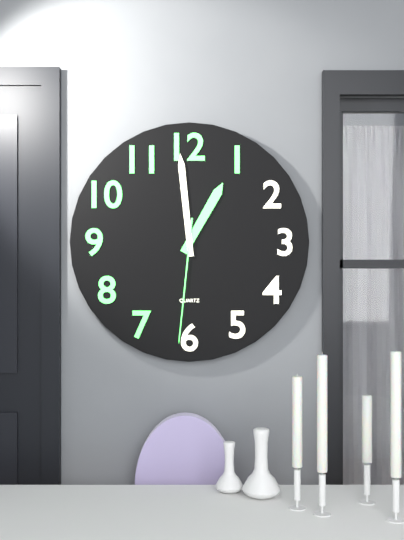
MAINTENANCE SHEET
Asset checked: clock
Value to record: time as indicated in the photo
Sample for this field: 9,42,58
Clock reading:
12,59,31
